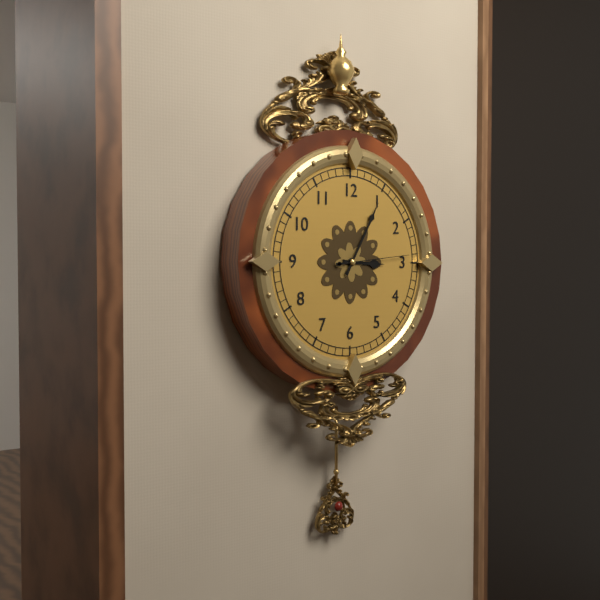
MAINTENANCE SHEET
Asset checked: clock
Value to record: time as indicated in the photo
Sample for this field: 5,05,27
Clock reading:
3,05,14
